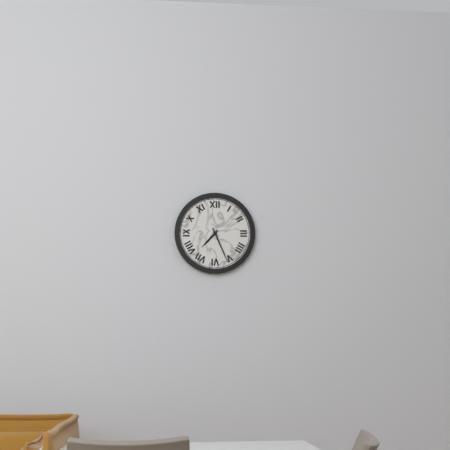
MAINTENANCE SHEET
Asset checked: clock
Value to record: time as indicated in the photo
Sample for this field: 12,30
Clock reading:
7,26
